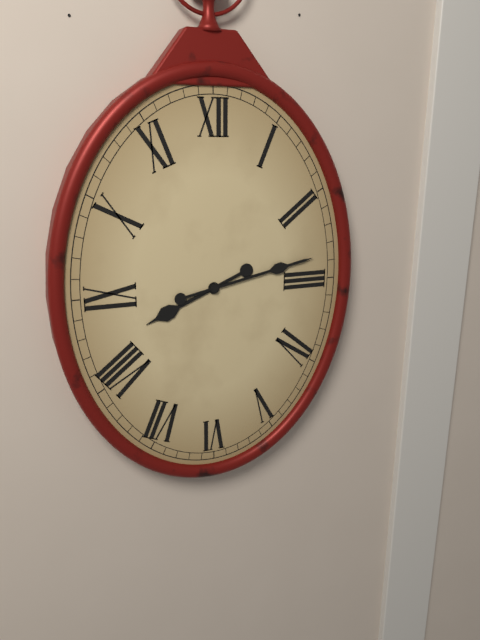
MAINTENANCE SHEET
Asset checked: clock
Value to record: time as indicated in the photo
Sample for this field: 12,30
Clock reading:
8,13
